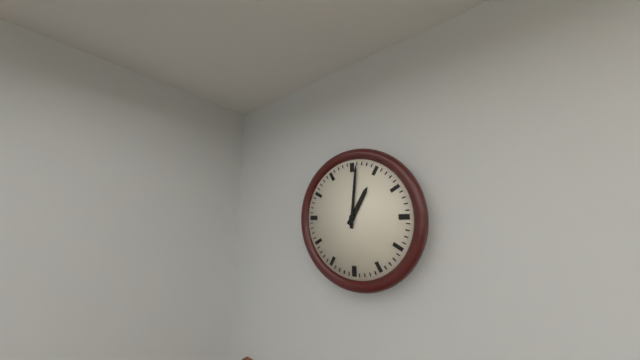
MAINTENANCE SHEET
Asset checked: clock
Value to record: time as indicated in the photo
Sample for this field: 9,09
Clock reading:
1,01
